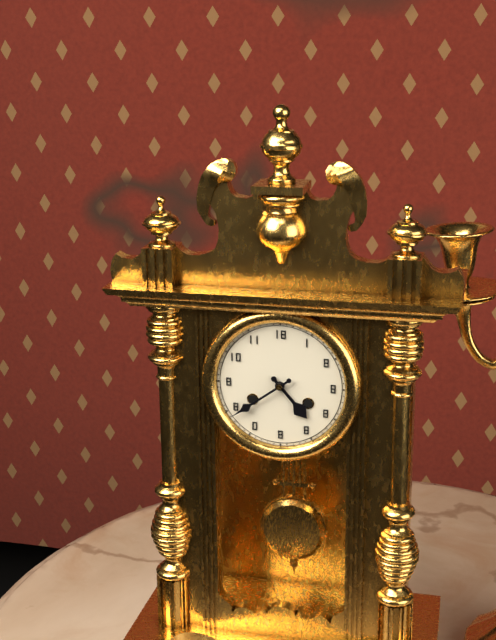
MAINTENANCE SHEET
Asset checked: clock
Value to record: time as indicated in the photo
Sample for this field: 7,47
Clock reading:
4,39
